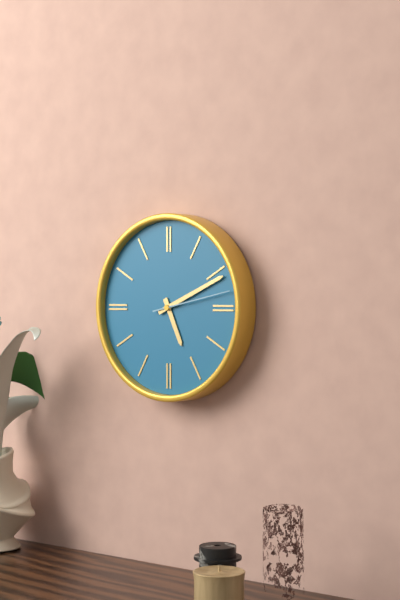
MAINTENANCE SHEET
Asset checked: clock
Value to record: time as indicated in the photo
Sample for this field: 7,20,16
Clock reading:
5,11,13
